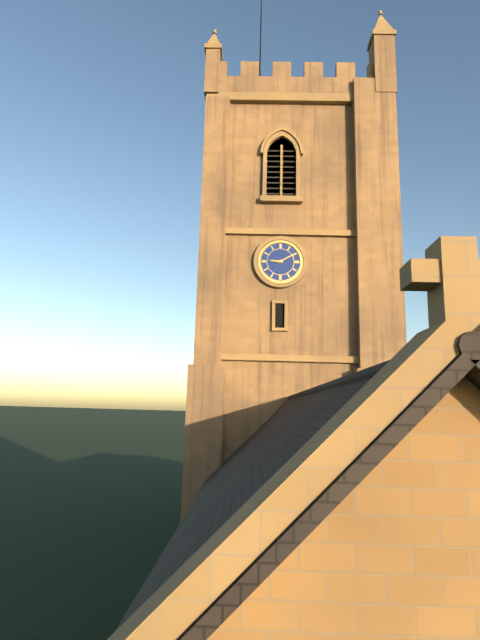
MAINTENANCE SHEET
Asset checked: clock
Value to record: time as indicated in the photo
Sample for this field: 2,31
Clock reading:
9,10
